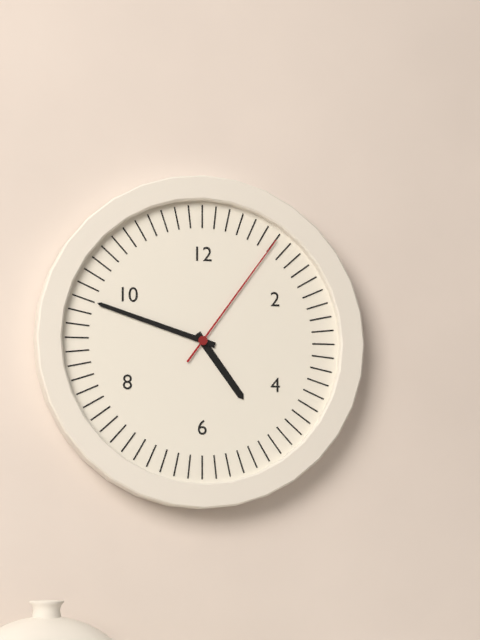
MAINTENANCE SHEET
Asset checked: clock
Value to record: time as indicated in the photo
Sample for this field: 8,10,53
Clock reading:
4,48,06
